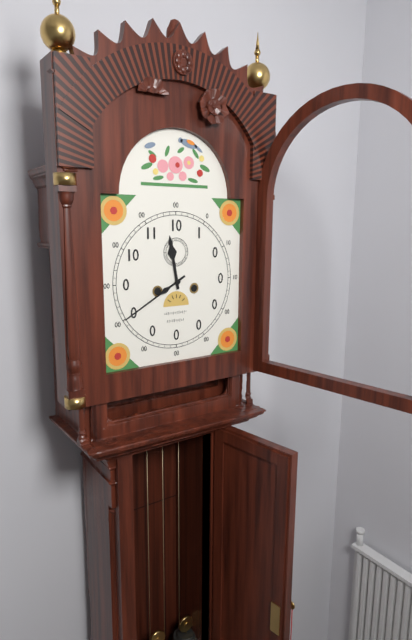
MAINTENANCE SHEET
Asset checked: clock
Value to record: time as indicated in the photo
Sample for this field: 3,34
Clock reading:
11,40
